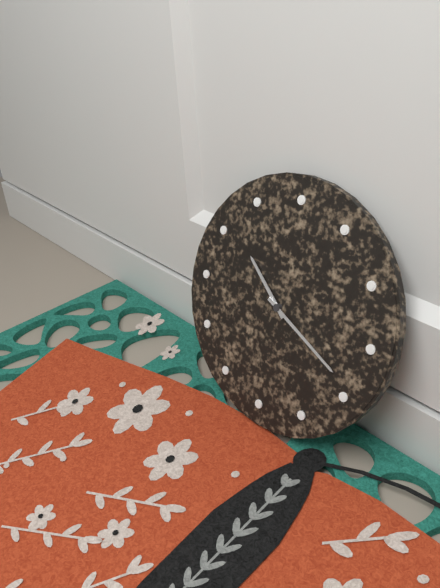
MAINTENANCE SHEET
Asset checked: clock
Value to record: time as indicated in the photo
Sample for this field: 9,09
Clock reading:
10,19
